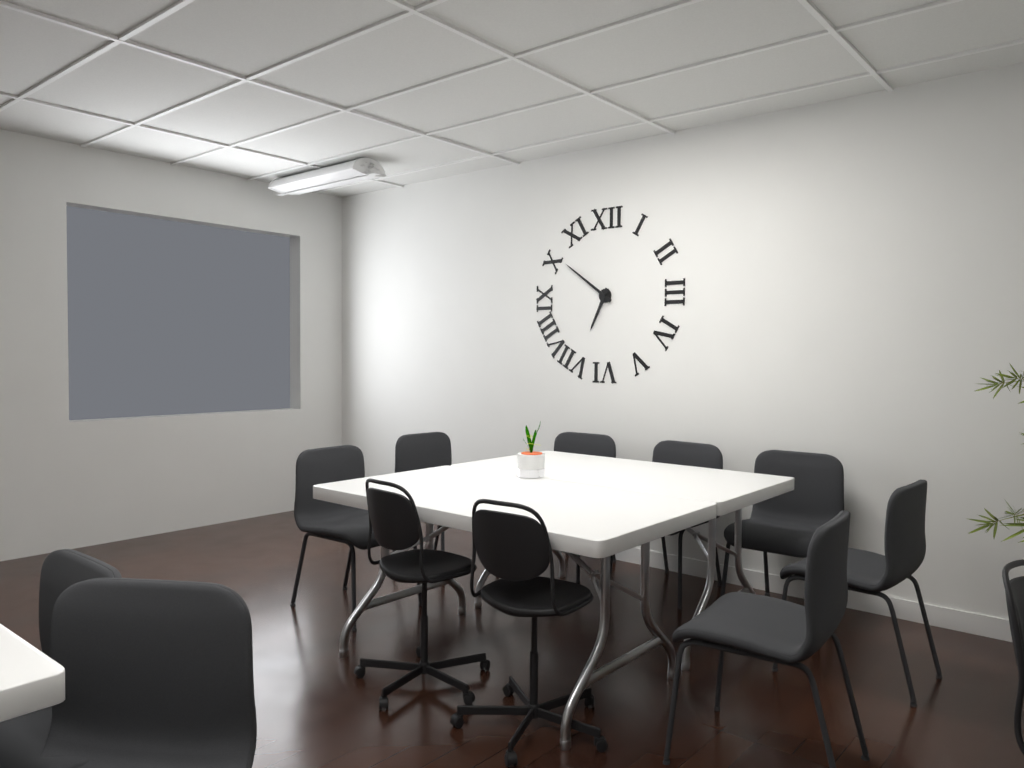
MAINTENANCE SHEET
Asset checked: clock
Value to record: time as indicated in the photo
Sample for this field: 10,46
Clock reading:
6,51
